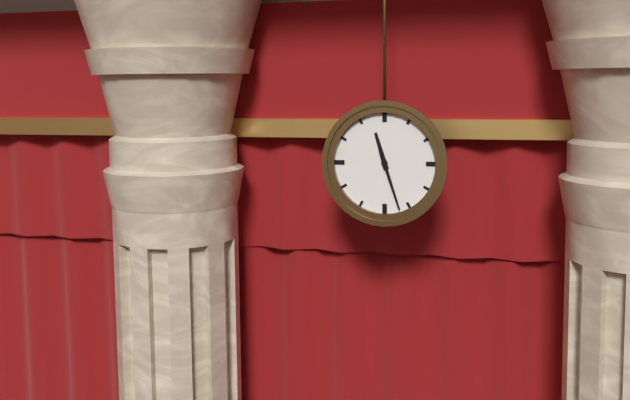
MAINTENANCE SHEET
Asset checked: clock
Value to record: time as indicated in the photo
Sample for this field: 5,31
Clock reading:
11,27
